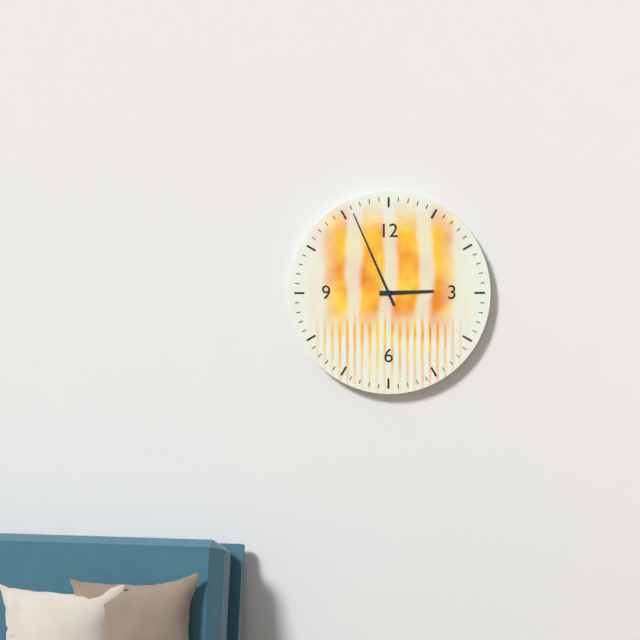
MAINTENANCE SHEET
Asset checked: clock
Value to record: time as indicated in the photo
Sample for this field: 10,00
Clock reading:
2,56
